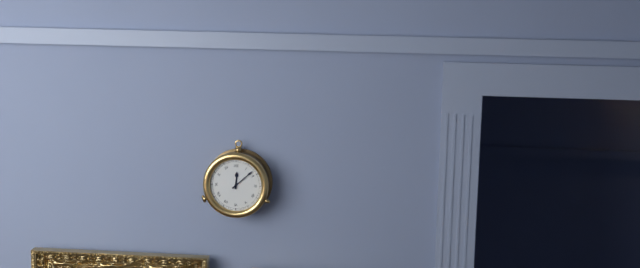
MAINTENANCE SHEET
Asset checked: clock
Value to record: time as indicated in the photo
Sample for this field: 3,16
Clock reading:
12,08
